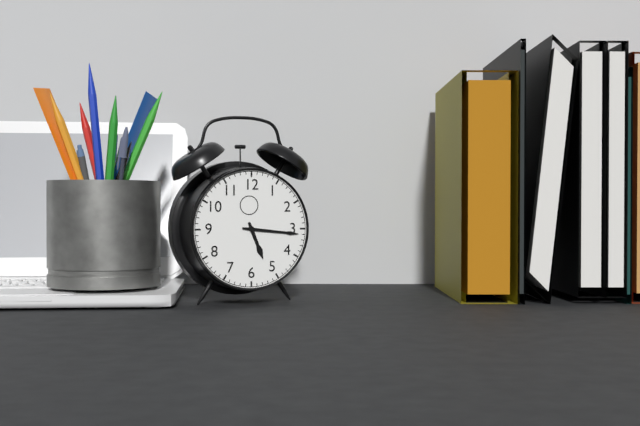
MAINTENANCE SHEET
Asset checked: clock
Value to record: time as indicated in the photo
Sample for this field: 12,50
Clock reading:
5,16
